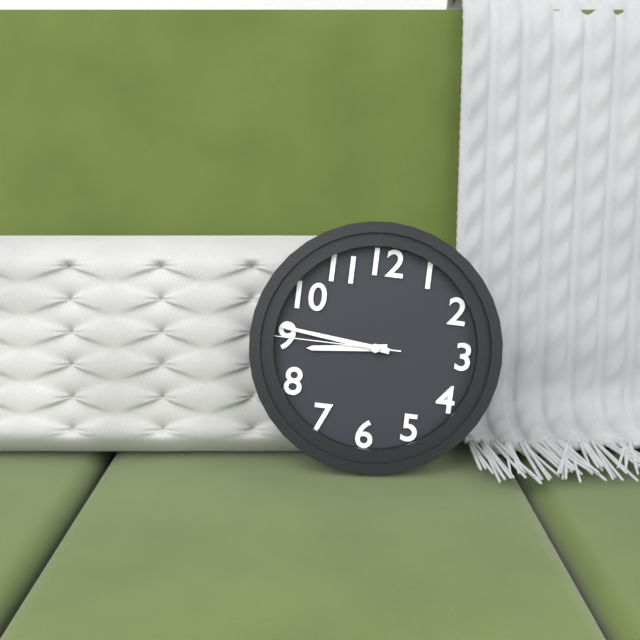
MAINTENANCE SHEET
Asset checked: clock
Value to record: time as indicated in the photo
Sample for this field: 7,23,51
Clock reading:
8,46,45
